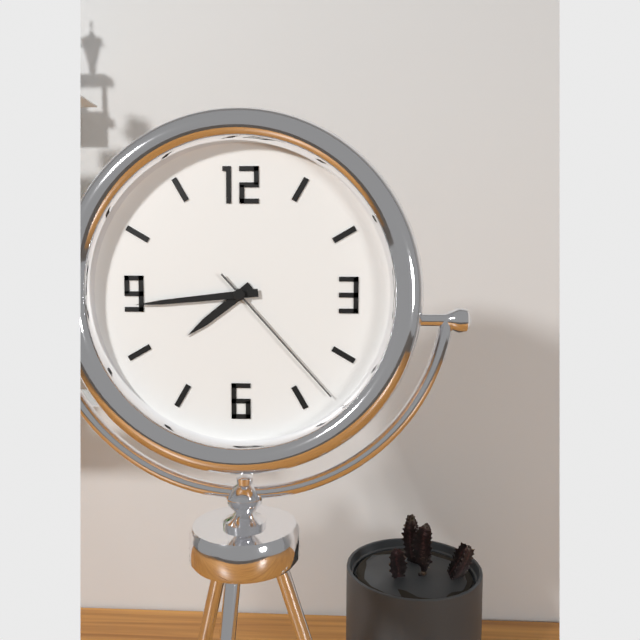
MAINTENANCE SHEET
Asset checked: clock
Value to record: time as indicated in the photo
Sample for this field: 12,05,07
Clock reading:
7,44,23
